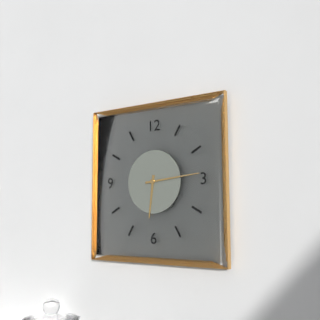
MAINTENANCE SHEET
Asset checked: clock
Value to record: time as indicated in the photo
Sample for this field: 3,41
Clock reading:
6,14
